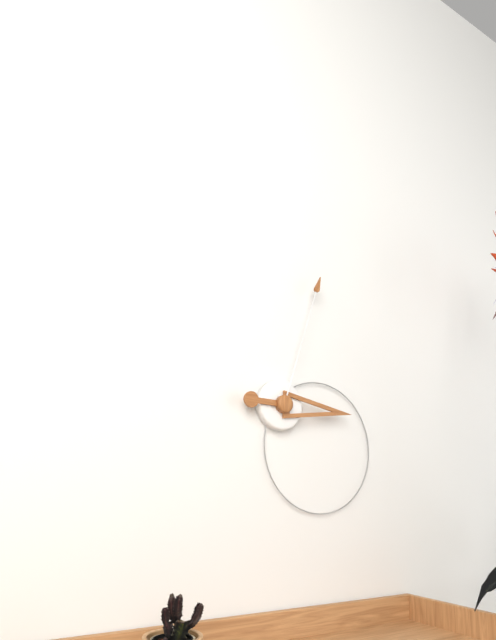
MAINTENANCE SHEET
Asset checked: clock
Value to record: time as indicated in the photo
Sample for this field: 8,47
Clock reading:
3,03
